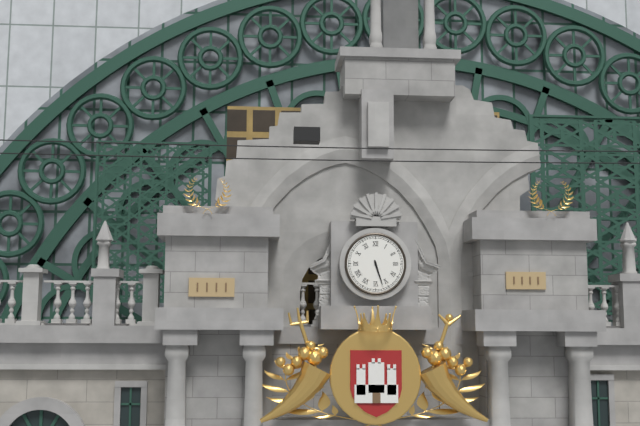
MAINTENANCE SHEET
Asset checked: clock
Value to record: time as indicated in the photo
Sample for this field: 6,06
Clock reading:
5,27
